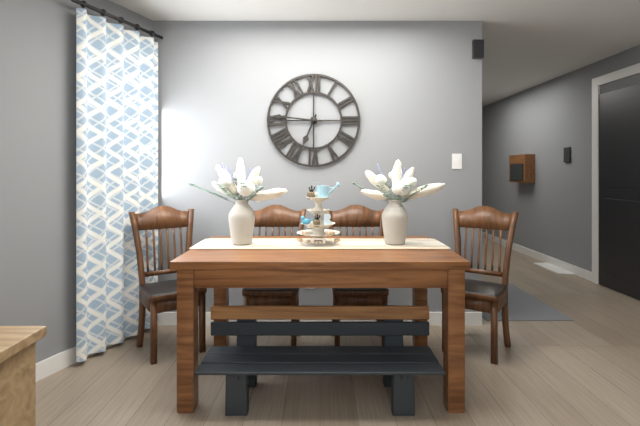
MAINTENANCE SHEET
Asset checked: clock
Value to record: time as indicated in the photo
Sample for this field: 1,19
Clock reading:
6,46
